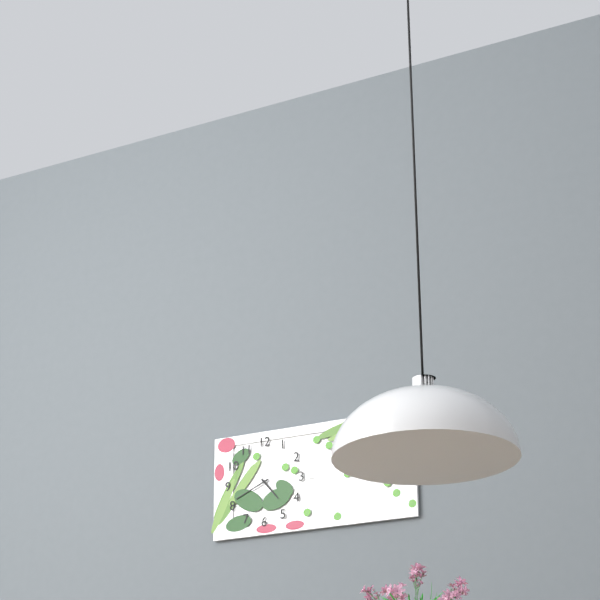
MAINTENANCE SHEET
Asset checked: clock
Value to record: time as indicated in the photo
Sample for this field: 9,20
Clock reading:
4,41
